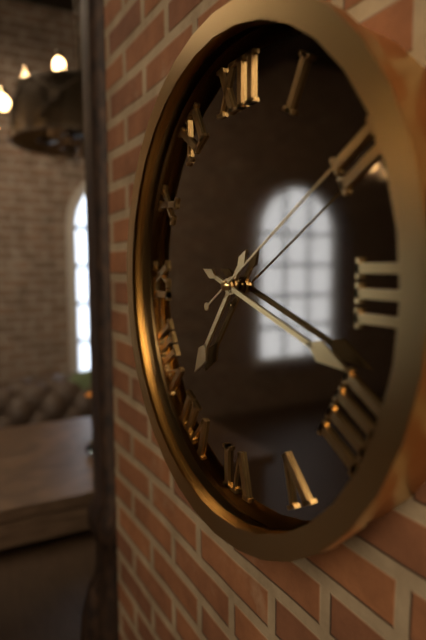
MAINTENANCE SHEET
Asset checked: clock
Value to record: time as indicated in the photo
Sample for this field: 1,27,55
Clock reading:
7,18,10
